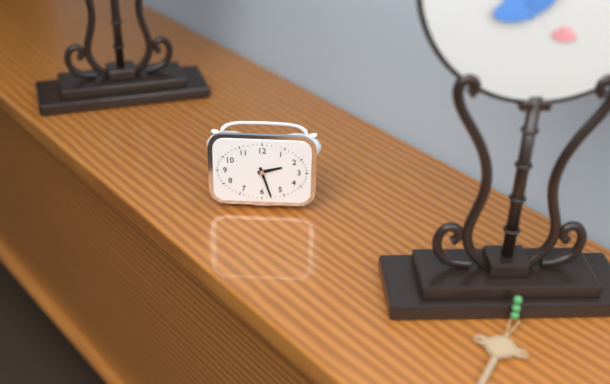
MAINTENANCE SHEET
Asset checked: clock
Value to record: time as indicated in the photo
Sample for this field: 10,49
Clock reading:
2,27
